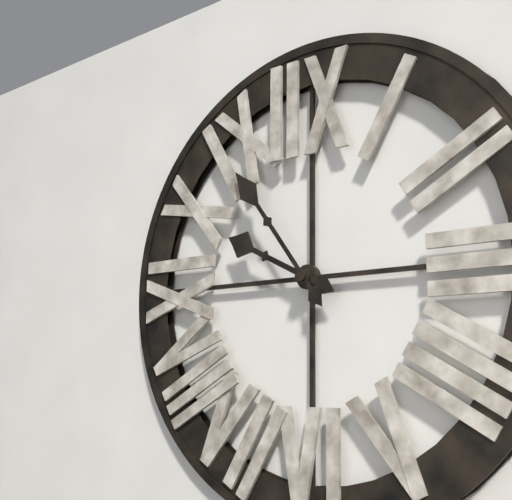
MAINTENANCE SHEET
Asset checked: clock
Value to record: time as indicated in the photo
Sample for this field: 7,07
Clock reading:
9,54
